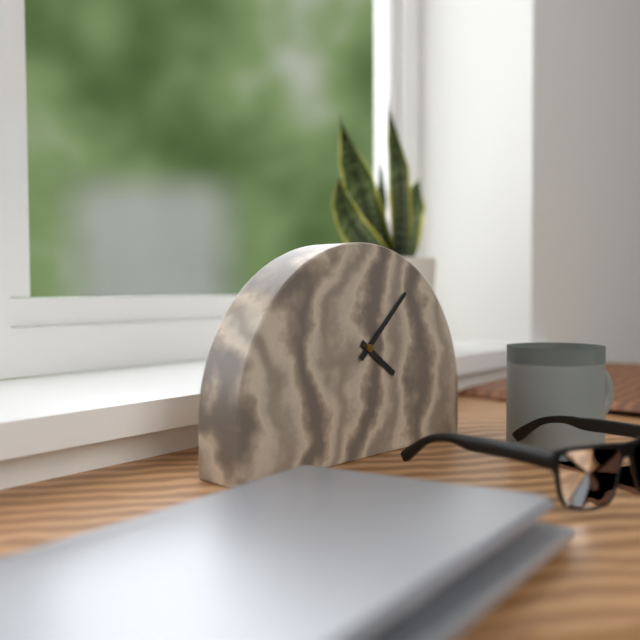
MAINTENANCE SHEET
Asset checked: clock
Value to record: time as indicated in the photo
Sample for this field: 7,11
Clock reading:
4,08
